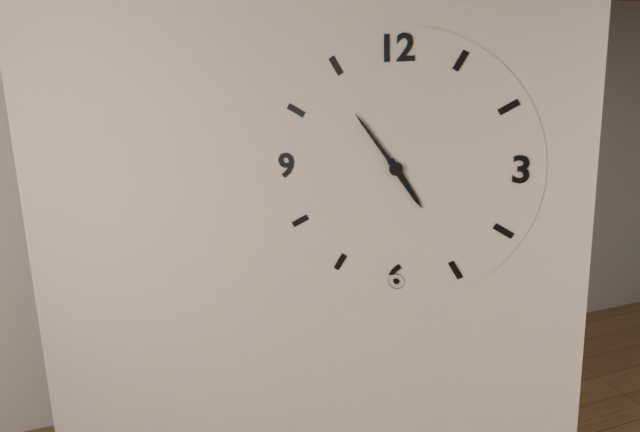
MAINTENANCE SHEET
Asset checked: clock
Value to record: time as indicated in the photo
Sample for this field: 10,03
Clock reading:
4,54
